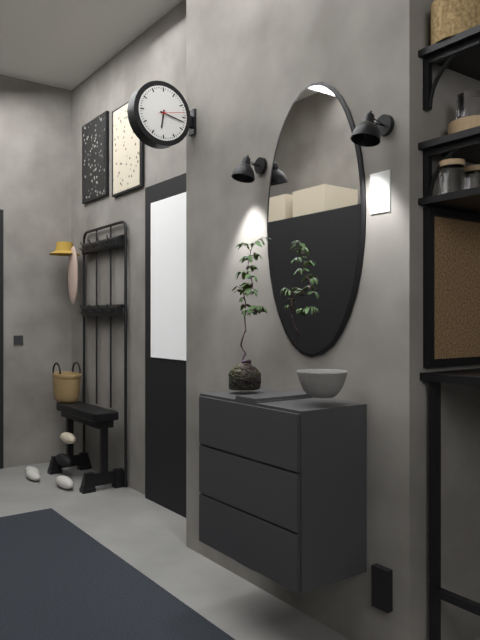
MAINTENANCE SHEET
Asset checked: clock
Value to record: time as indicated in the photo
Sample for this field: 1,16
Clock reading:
6,17
